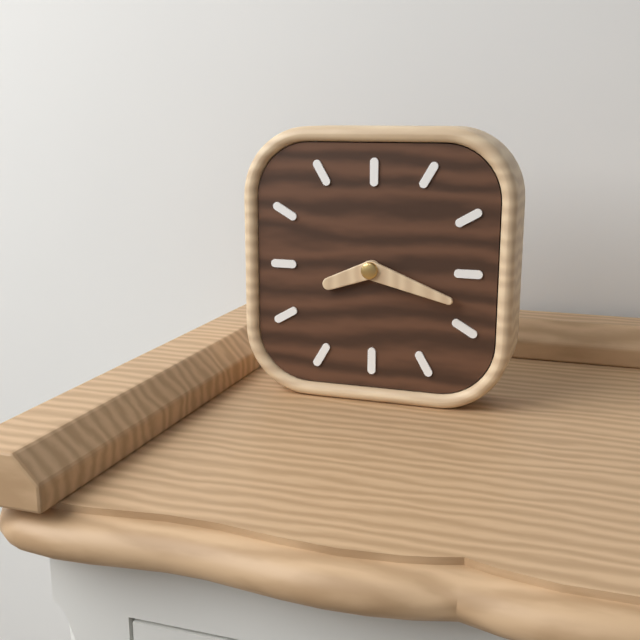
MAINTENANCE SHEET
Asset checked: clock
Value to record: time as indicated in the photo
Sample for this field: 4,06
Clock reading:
8,18
